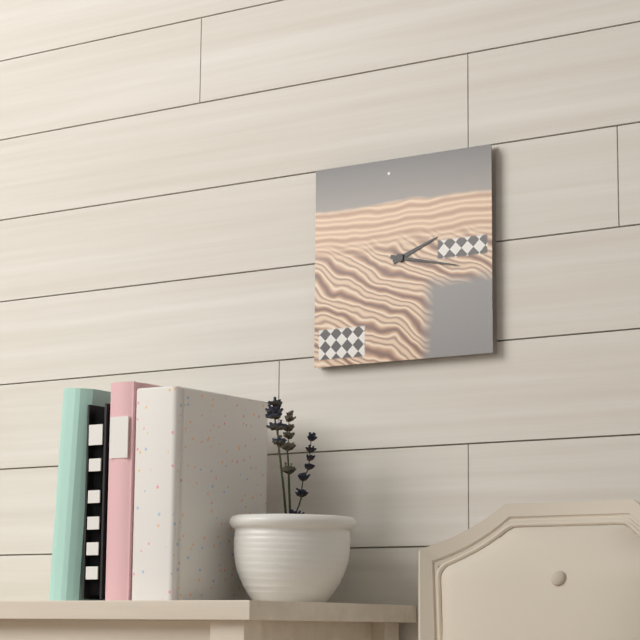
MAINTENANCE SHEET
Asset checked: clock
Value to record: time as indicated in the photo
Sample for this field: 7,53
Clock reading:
2,17
